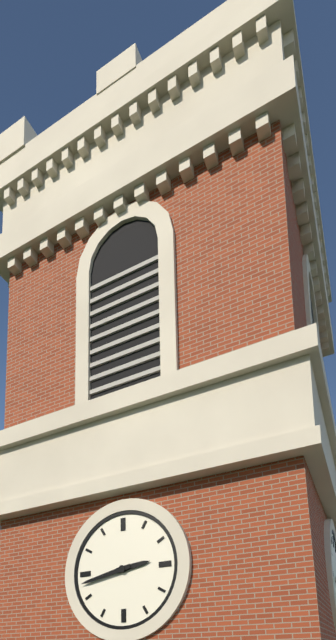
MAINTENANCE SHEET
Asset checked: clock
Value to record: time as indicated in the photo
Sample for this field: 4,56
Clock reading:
2,43
